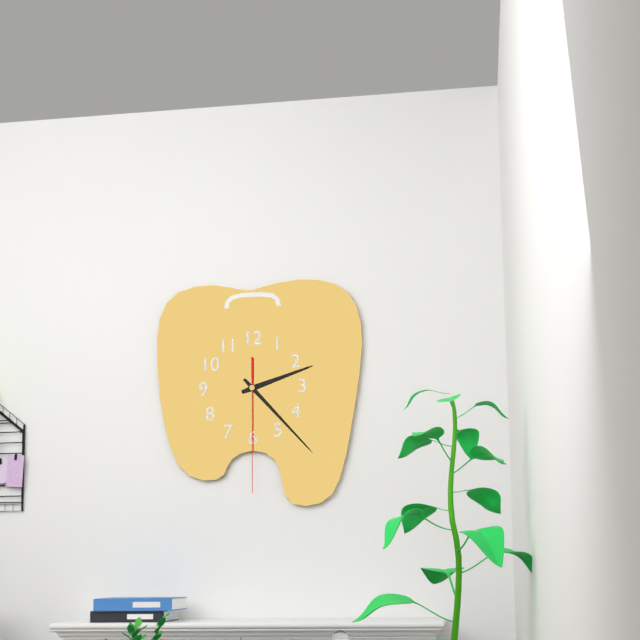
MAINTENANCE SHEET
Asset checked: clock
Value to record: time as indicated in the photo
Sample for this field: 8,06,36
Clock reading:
2,23,30
